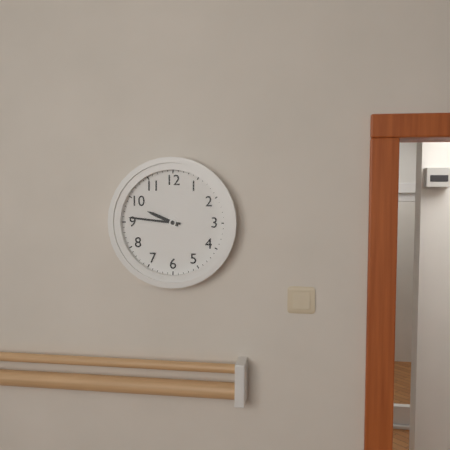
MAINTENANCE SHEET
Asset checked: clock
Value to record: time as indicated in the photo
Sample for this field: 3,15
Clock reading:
9,46
